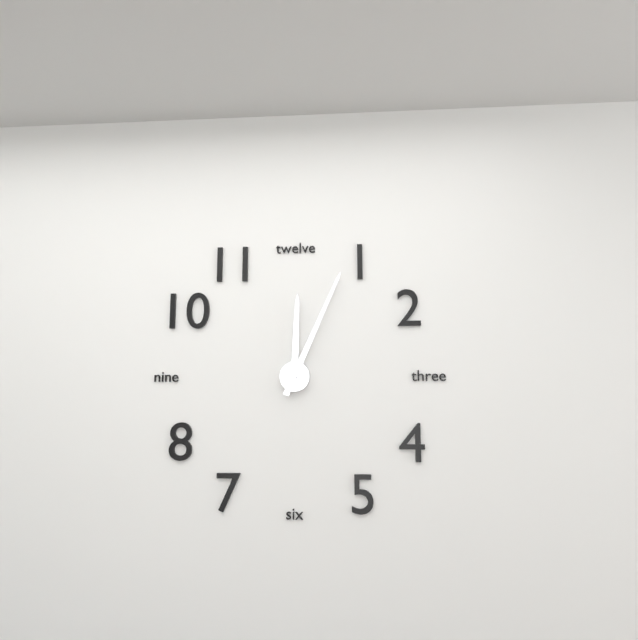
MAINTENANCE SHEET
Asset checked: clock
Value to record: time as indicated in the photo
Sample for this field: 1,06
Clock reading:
12,04
